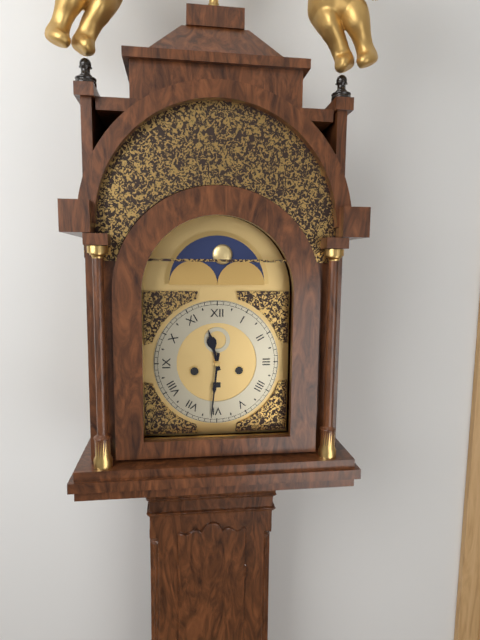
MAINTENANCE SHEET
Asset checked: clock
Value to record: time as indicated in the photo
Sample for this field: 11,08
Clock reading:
11,31
